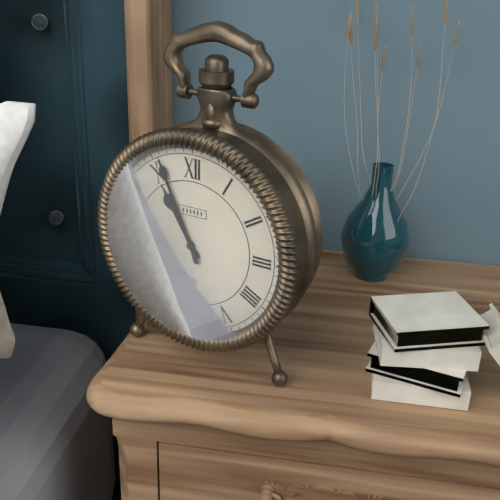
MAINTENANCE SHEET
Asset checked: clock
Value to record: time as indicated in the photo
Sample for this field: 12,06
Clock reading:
10,56
